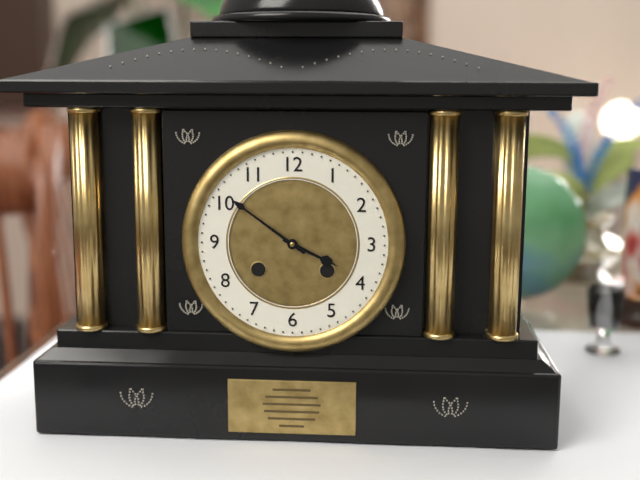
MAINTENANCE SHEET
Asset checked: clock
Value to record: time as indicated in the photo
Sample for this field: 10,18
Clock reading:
3,51
